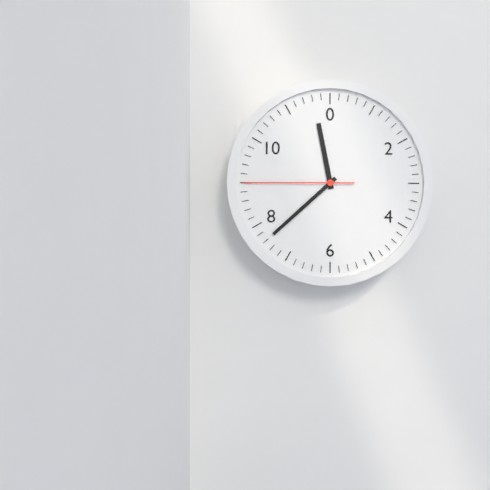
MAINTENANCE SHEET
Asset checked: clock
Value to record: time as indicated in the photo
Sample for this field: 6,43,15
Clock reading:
11,38,45
